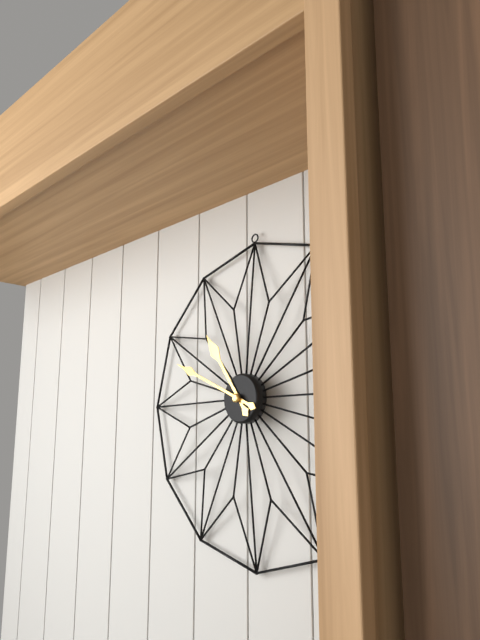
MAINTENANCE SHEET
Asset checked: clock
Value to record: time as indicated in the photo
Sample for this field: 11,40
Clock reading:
10,49
